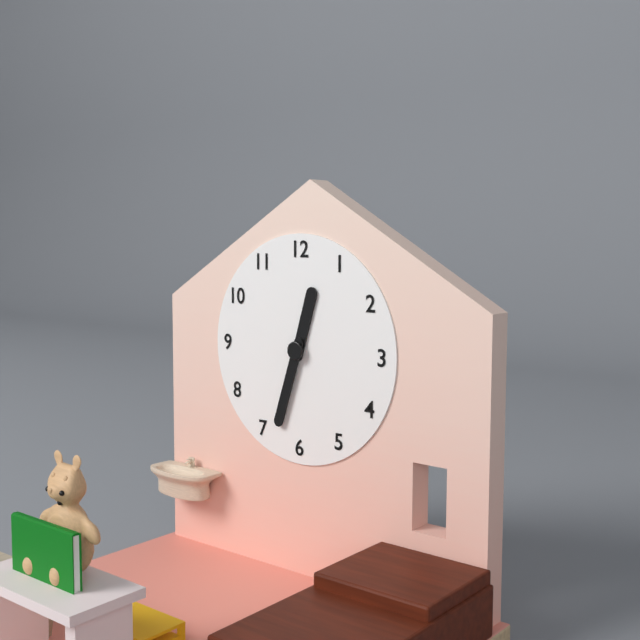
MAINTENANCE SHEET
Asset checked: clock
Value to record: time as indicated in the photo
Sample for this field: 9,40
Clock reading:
12,33
